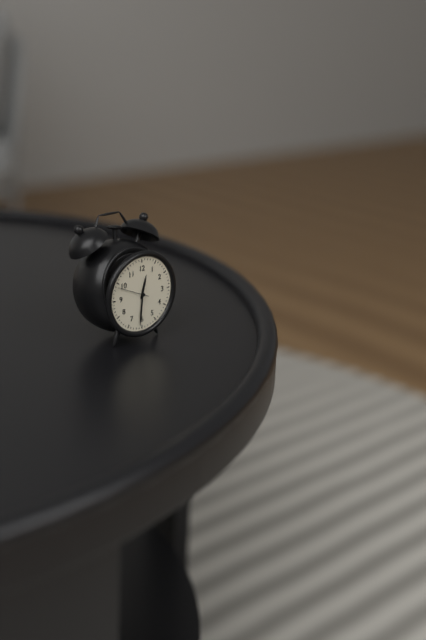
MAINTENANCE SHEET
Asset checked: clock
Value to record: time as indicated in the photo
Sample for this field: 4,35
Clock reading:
12,31
